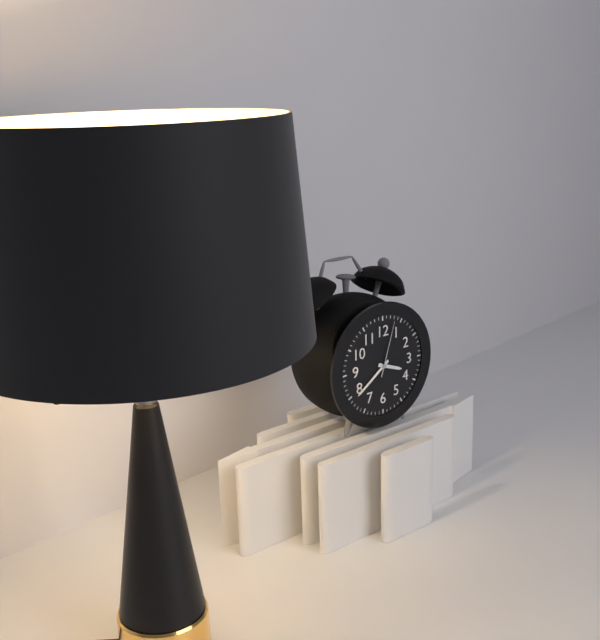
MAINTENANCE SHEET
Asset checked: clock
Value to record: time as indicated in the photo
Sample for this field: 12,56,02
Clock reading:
3,39,03
